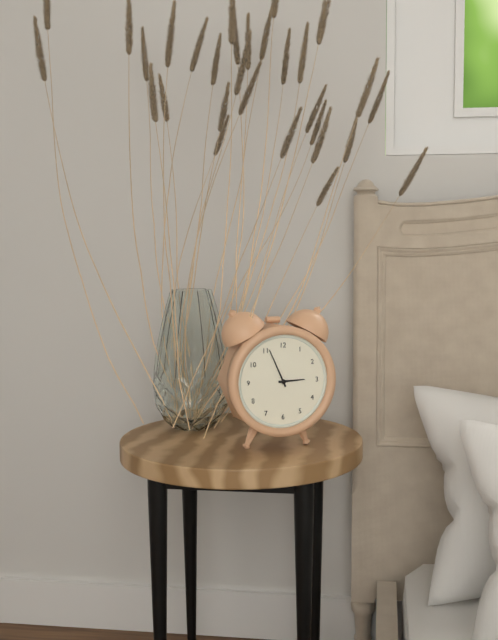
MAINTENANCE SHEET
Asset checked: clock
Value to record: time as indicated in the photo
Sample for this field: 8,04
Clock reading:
2,56
